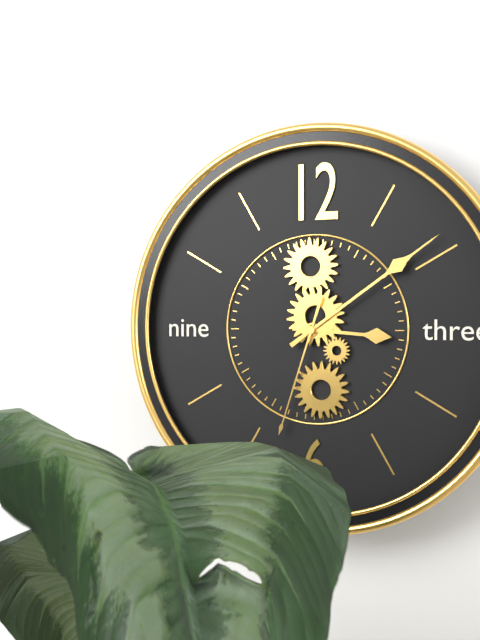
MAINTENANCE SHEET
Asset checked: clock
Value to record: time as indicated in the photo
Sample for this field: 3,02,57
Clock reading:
3,09,33
